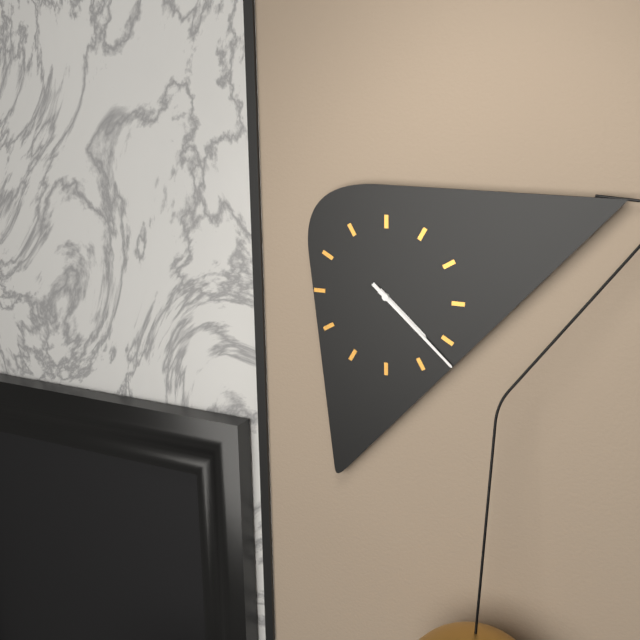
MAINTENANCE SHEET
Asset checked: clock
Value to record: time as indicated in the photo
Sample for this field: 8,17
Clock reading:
4,22
